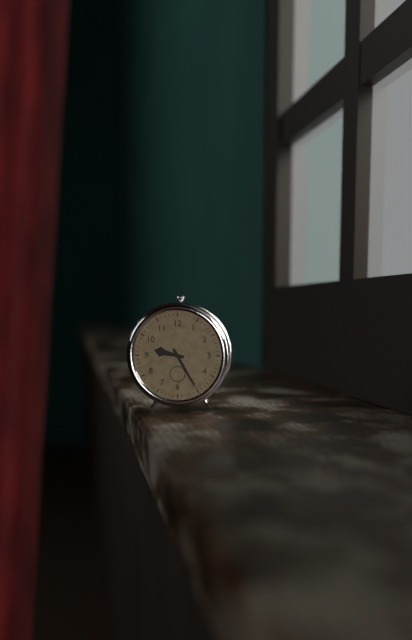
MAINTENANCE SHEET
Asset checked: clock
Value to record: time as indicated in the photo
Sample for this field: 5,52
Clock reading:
9,25
